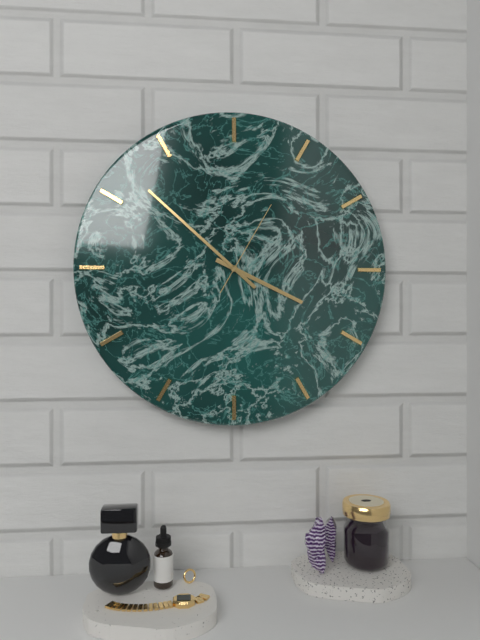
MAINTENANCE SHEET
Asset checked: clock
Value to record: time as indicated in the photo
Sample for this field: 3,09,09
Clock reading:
3,52,05
